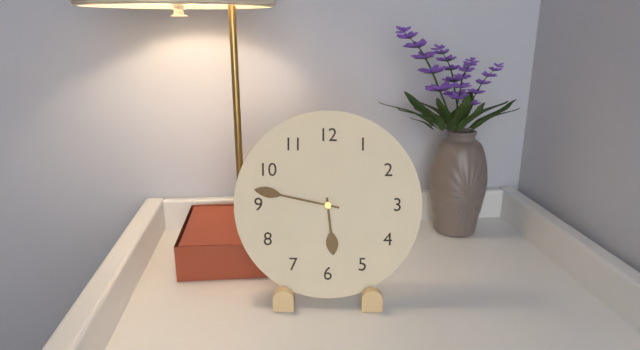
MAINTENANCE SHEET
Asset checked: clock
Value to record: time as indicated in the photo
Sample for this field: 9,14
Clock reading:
5,47
